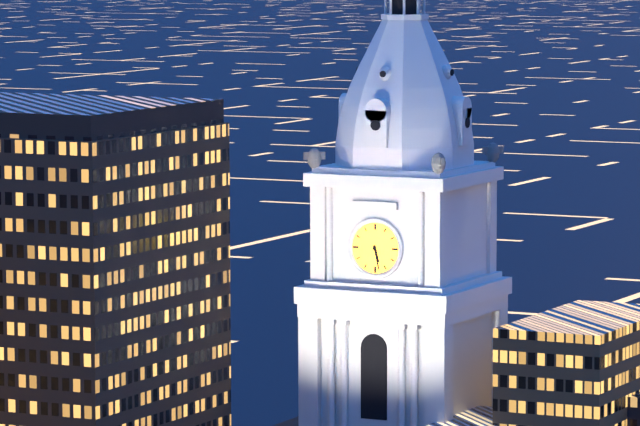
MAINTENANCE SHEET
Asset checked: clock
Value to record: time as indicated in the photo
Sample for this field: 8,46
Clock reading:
5,28
